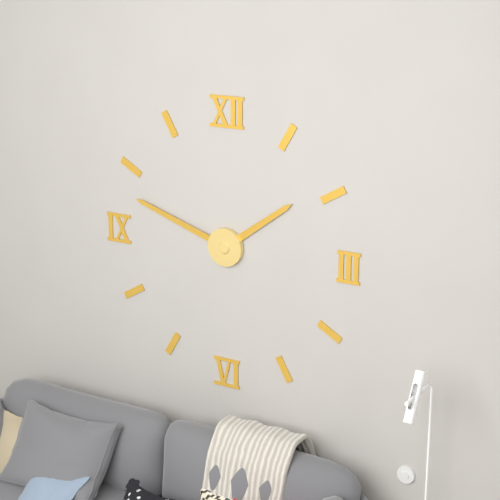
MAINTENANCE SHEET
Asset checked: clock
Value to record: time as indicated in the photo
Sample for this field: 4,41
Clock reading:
1,48
